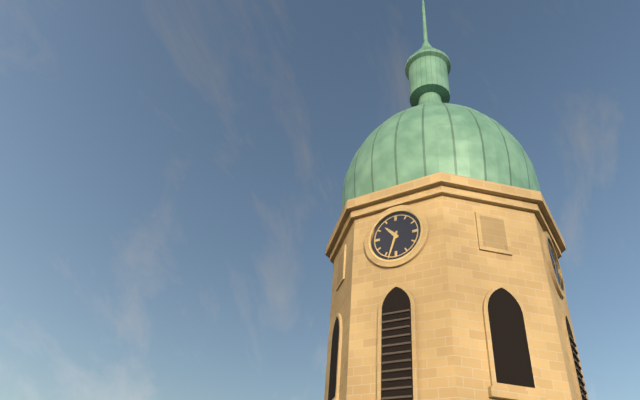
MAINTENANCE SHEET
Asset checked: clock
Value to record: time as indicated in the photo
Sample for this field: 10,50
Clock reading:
10,33
